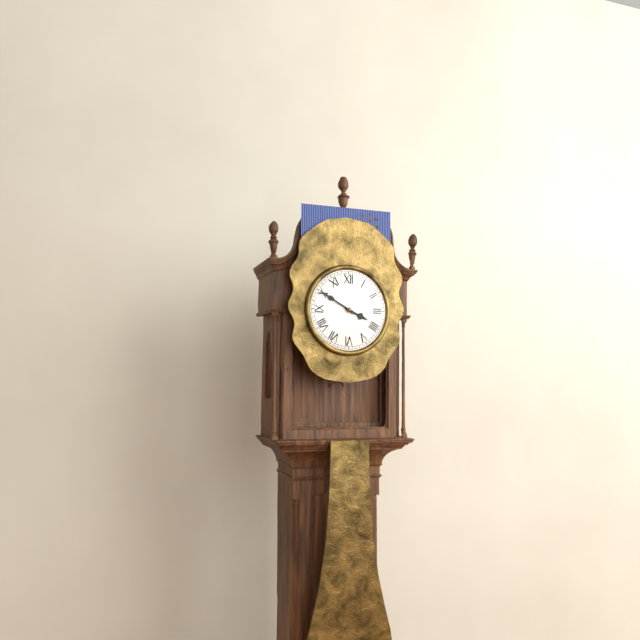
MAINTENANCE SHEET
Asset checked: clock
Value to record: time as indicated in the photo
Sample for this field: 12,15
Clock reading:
3,50
